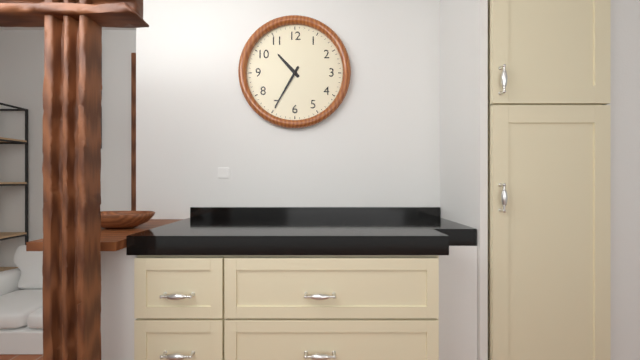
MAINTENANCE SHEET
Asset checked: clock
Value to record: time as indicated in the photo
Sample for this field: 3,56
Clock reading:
10,35
